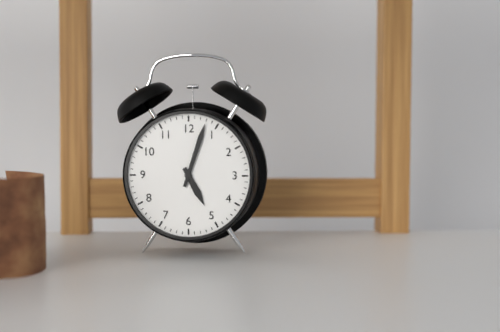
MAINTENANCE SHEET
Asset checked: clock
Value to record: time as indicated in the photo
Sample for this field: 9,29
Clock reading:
5,03
